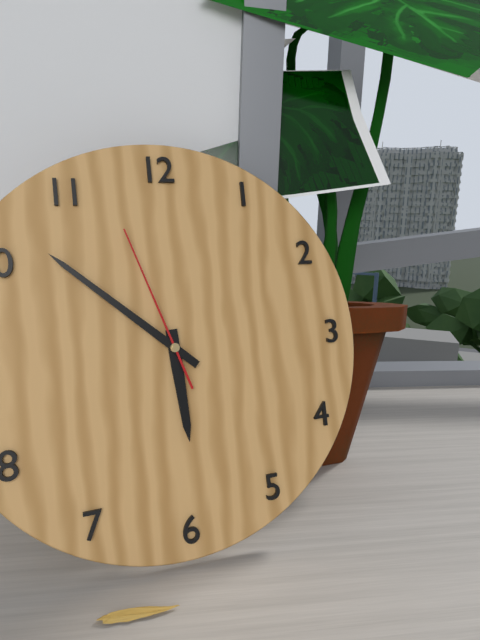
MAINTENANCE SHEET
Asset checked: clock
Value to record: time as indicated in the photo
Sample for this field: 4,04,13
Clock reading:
5,52,57
